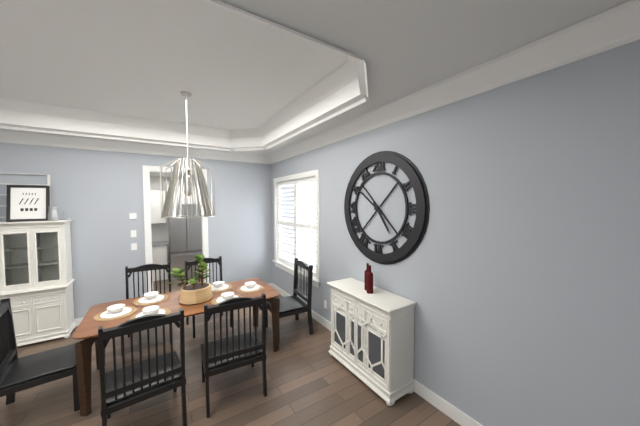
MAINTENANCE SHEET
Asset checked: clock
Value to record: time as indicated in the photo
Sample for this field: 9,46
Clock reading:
4,51
